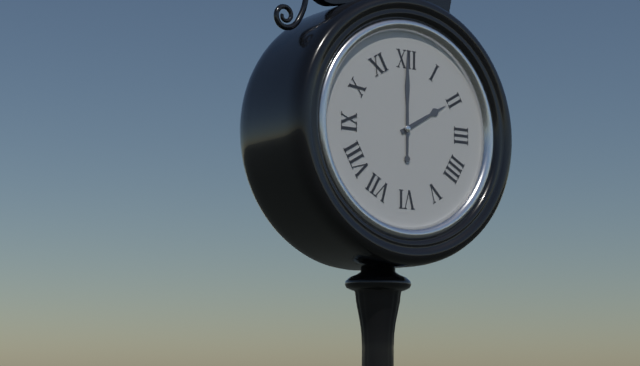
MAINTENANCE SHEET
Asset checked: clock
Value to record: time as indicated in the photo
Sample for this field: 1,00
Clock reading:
2,00
